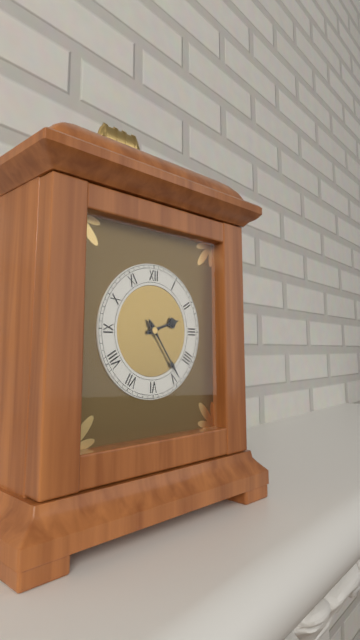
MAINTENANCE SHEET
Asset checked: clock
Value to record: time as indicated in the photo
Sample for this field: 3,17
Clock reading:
2,24
